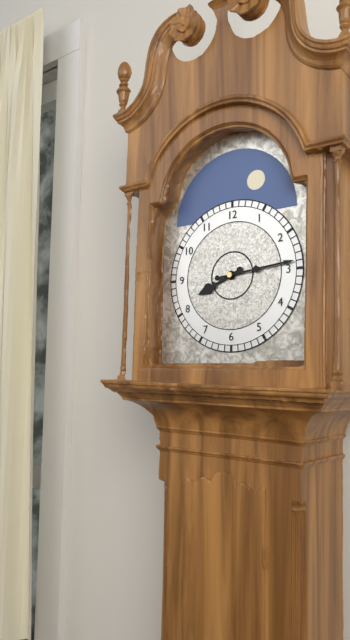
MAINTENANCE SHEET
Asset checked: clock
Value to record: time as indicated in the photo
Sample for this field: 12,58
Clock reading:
8,14
